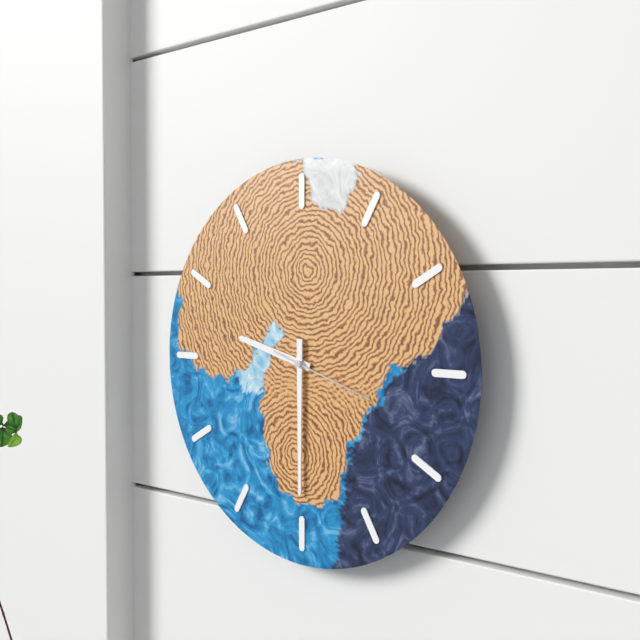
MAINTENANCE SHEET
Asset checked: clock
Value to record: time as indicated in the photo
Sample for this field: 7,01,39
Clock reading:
9,30,18
